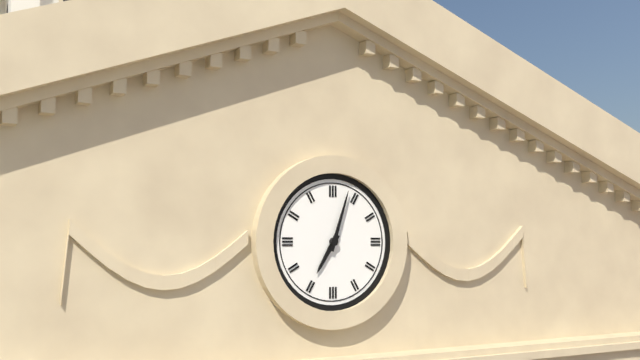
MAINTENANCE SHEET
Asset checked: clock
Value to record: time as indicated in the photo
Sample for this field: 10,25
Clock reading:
7,03
